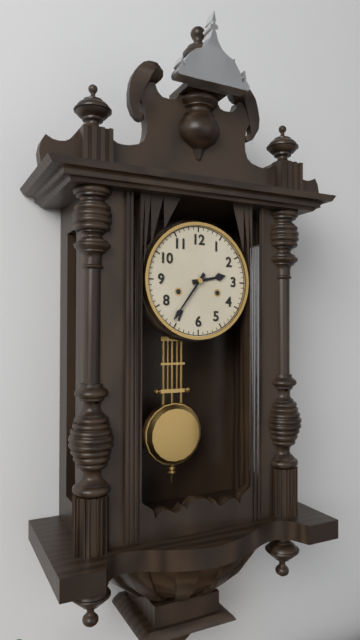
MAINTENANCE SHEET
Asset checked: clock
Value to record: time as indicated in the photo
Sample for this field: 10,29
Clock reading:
2,36
